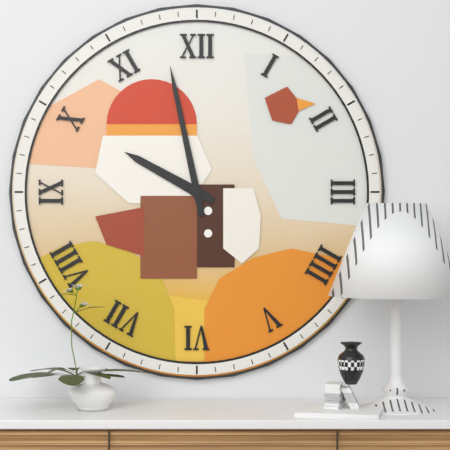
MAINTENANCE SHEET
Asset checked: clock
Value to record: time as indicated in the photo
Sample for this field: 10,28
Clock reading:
9,58
